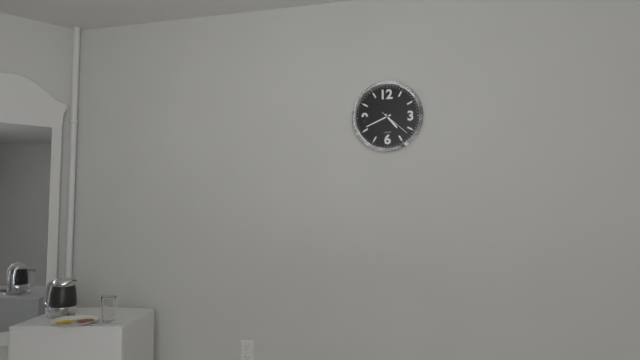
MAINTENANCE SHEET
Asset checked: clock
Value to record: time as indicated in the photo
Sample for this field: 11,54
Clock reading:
4,41
